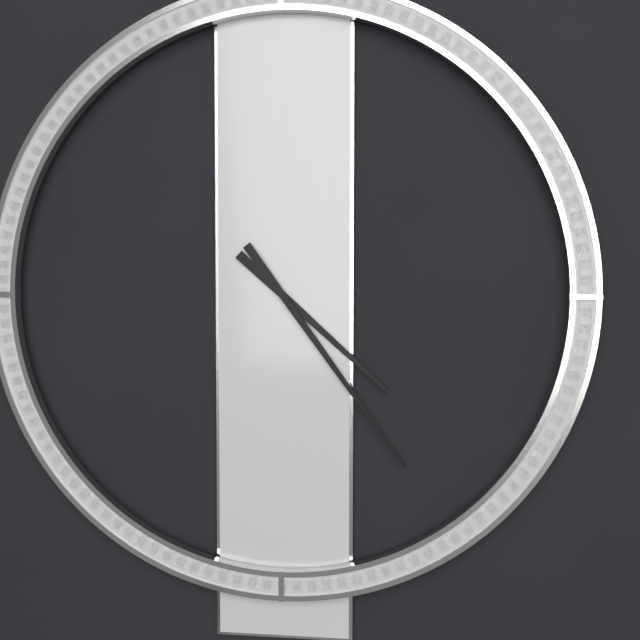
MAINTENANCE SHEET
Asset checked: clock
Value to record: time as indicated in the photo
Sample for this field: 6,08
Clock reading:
4,24
